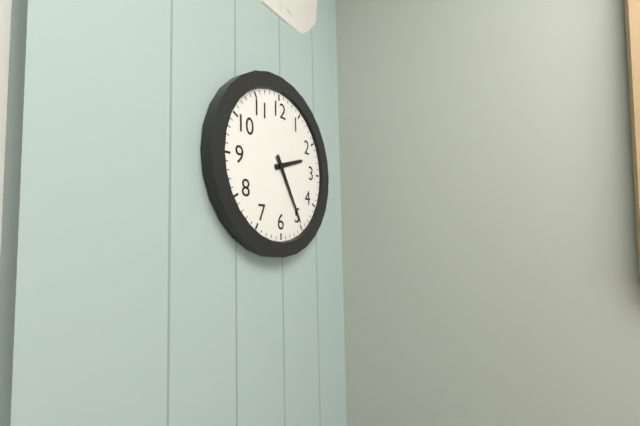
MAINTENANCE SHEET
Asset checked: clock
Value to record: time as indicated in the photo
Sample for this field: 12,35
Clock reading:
2,25
